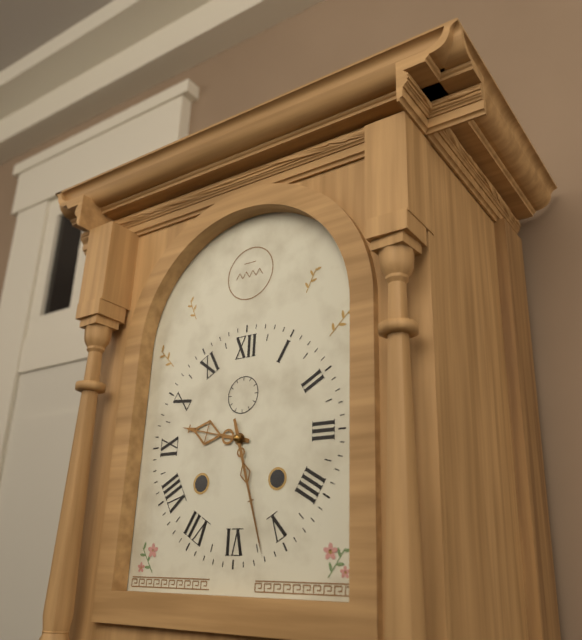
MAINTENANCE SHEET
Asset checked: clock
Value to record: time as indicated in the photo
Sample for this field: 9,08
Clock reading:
9,27
